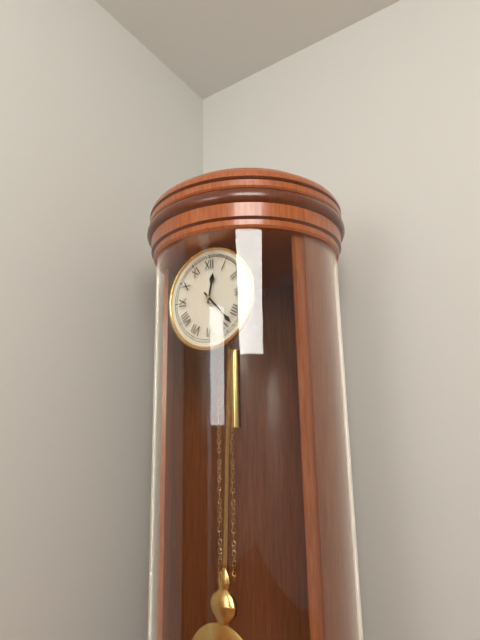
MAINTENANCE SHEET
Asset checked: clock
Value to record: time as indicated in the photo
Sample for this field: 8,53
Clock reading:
12,23
